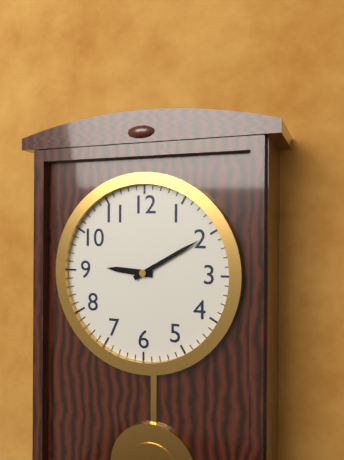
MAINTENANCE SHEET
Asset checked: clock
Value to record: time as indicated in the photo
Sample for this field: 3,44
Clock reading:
9,10
